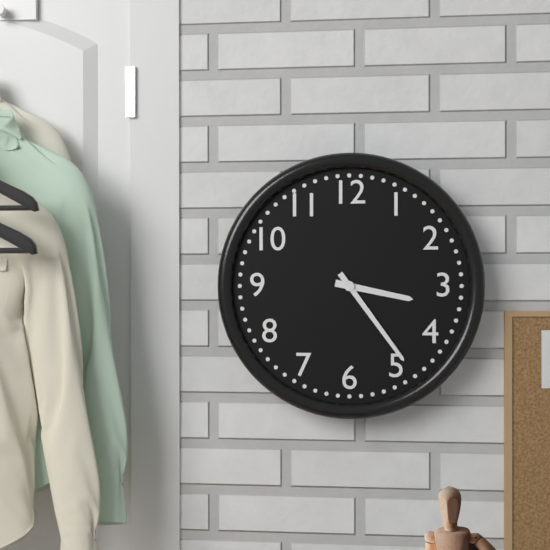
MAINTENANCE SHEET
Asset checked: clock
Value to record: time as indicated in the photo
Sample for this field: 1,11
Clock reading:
3,24
